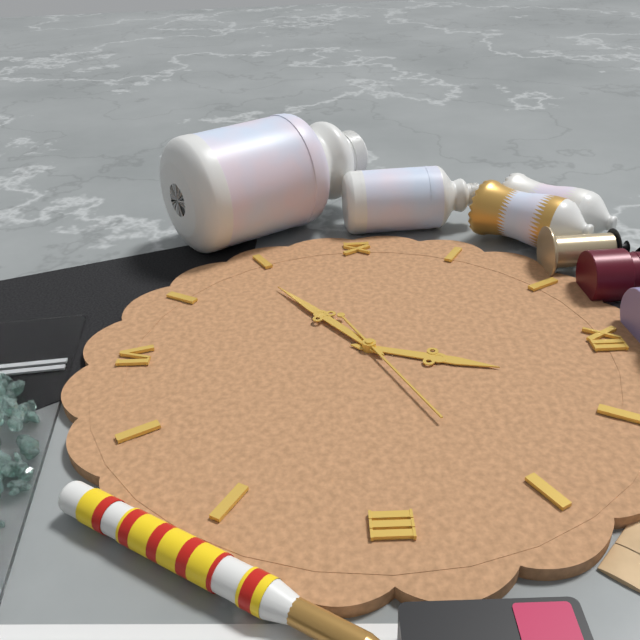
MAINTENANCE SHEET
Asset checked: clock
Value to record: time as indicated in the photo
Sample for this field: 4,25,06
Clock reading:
12,39,11
